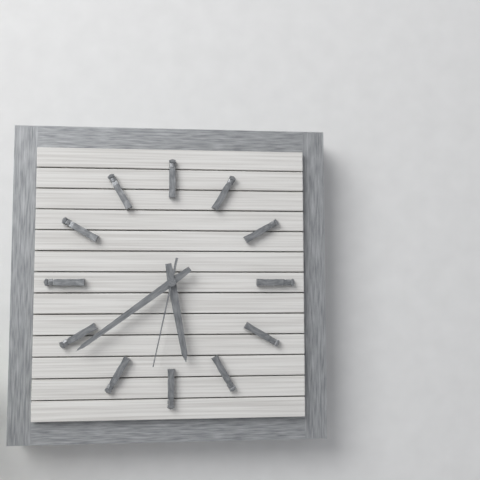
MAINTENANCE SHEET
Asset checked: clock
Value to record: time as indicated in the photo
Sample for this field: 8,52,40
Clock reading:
5,39,32
